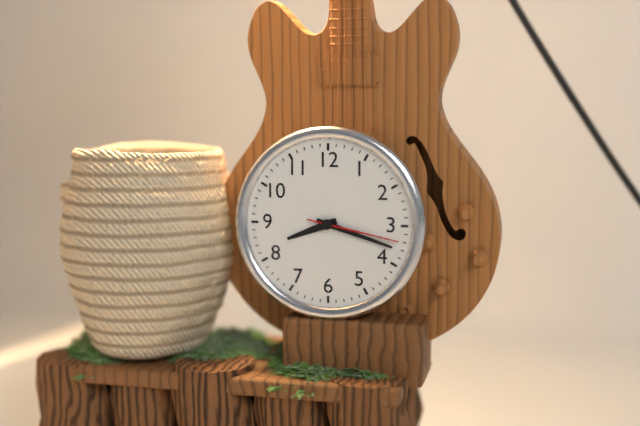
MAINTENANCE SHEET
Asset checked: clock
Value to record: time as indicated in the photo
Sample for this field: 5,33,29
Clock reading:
8,18,17
